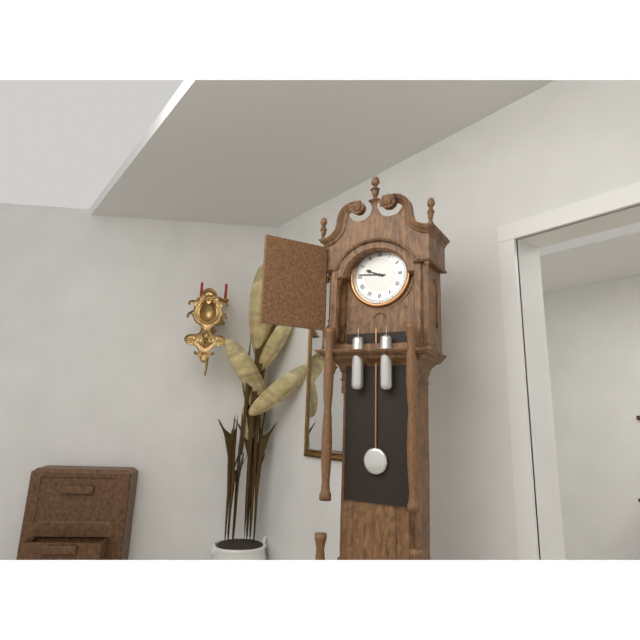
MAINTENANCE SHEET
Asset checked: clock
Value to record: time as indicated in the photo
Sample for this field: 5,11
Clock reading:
9,46
